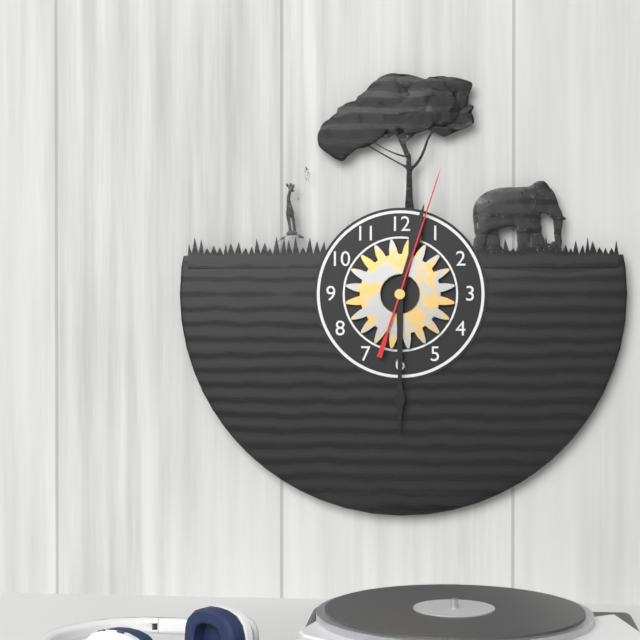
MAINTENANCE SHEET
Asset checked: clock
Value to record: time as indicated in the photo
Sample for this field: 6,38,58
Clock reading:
12,30,03
